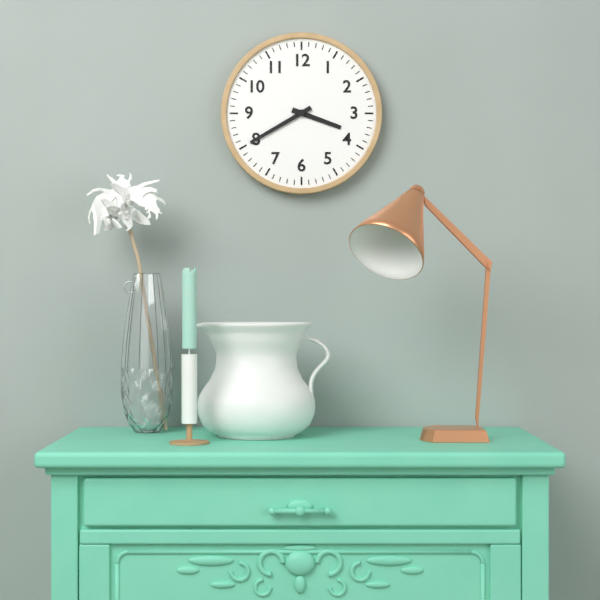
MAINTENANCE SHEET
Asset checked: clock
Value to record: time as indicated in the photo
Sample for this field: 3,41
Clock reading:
3,40
